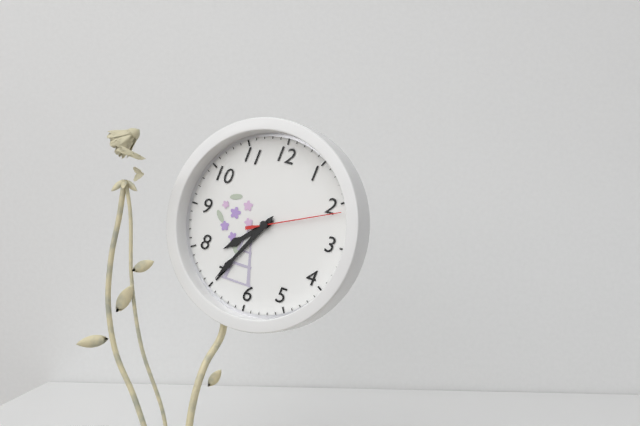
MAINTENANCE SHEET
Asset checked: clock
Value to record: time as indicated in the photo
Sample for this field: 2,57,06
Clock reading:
7,35,11
